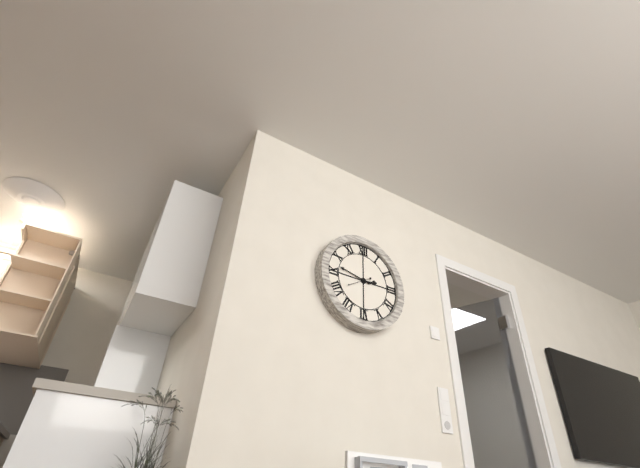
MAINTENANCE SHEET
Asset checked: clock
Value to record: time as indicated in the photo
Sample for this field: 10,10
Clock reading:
2,47
